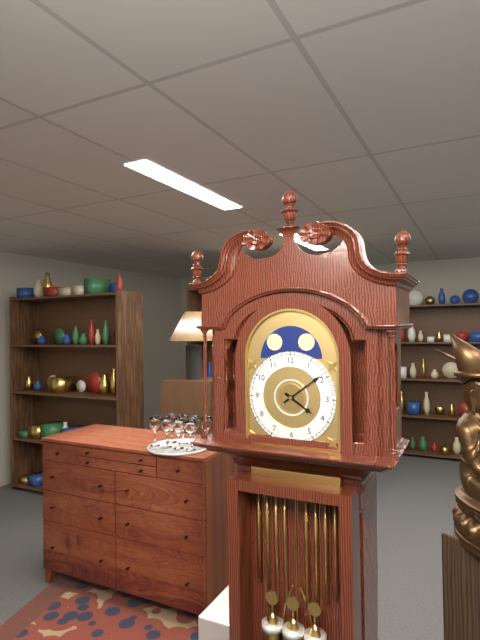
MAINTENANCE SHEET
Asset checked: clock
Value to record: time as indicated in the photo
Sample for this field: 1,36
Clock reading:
4,09
